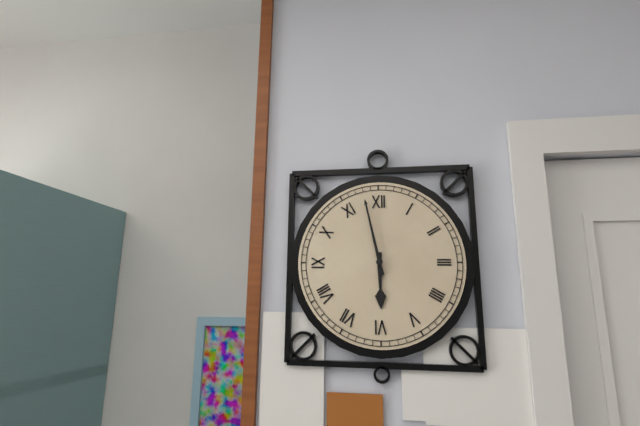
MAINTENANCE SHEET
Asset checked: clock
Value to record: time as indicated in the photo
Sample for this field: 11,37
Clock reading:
5,58
